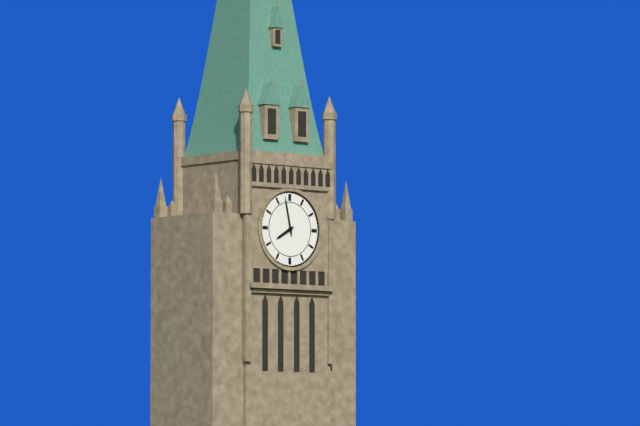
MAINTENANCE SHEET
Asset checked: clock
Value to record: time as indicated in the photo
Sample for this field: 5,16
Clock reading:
7,58
